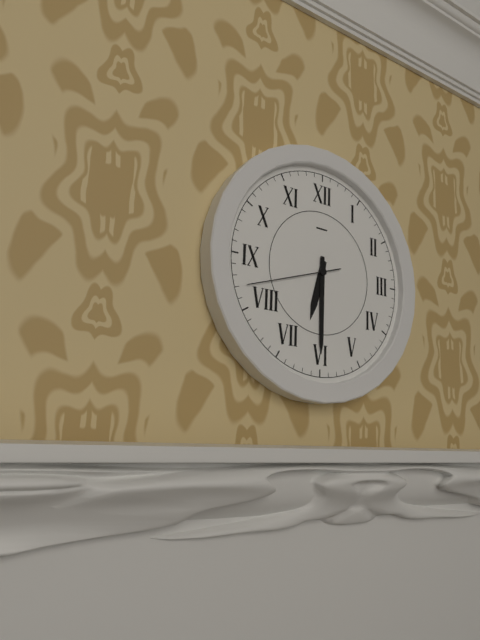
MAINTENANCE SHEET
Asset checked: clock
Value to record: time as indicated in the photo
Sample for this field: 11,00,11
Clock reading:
6,30,42
